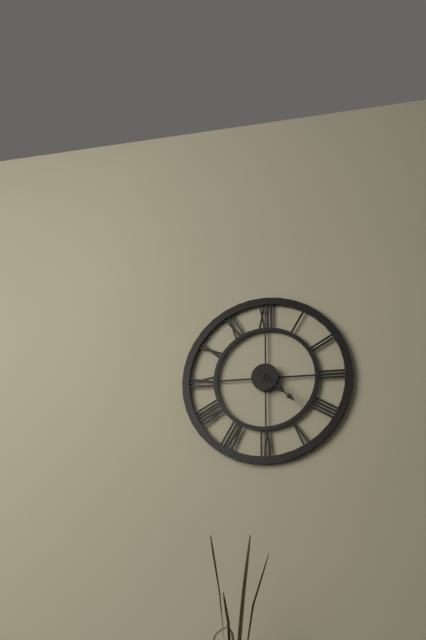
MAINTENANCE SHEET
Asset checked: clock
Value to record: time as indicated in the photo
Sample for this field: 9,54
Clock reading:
4,22
